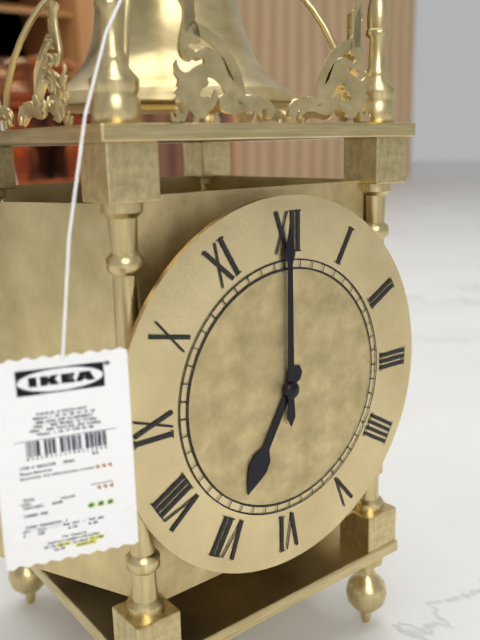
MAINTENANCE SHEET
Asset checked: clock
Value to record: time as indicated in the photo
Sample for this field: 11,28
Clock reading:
7,00
